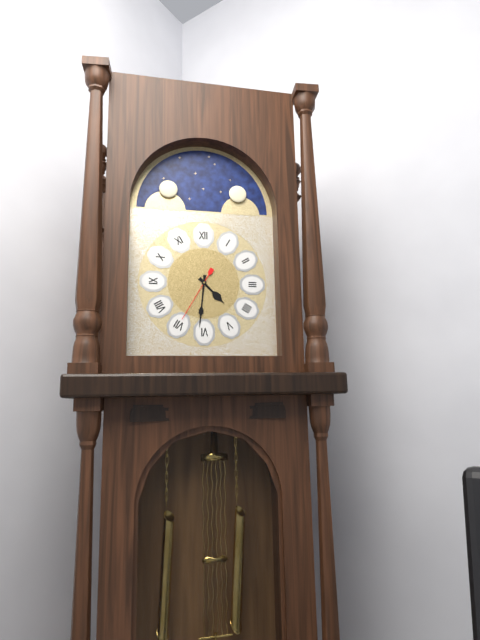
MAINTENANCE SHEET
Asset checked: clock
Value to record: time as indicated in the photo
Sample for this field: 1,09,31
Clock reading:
4,31,35
